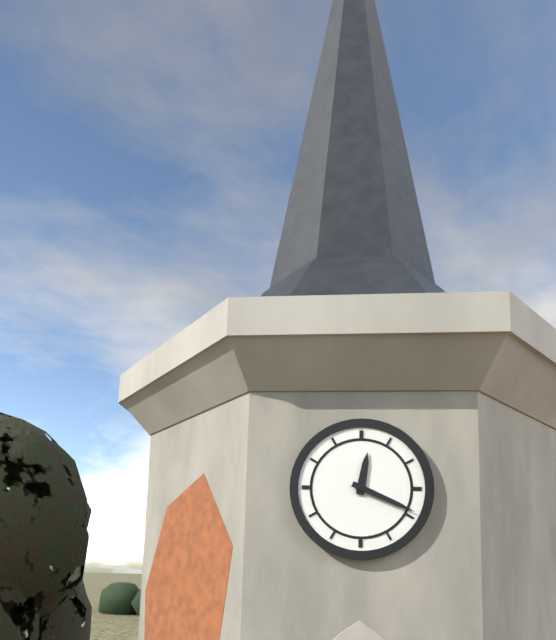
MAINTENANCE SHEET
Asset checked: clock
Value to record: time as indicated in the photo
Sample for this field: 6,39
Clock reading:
12,19
